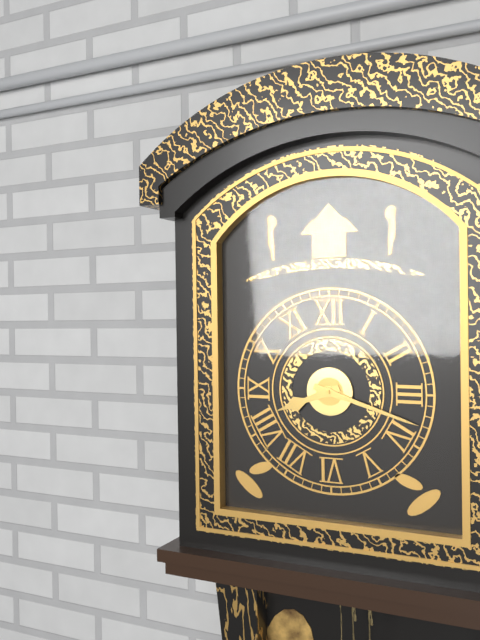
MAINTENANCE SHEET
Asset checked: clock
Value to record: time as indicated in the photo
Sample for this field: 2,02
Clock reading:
8,18
